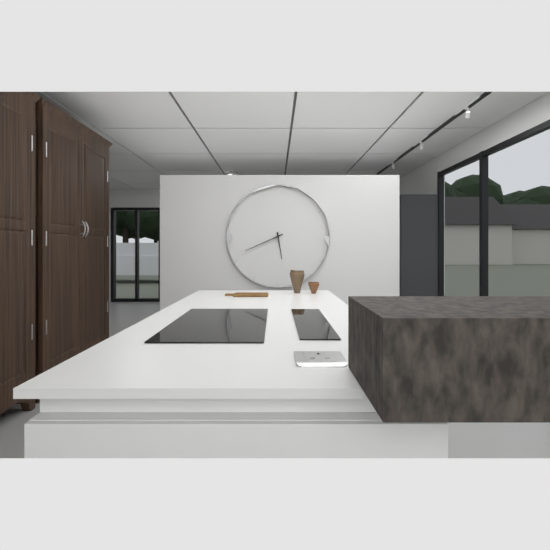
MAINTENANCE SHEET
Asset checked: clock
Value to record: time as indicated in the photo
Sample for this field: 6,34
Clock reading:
5,41
